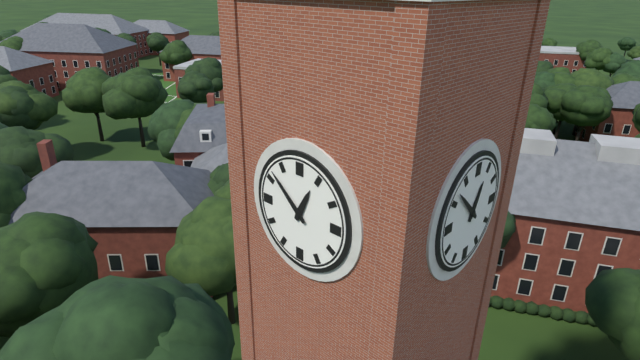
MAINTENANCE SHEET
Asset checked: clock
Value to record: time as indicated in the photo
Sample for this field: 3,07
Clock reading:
12,52
